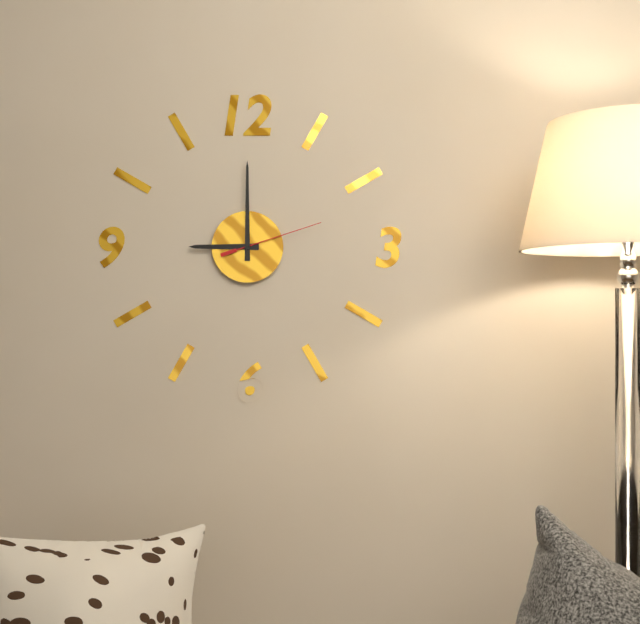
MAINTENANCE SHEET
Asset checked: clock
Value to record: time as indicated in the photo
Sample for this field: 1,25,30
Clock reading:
9,00,12
